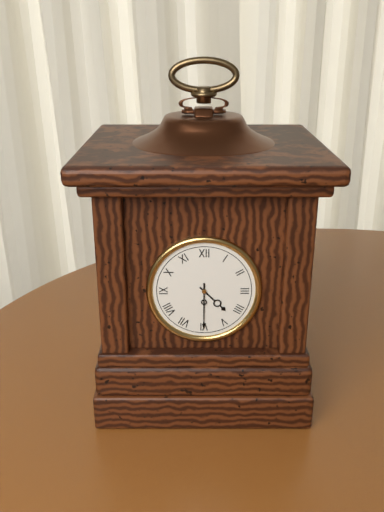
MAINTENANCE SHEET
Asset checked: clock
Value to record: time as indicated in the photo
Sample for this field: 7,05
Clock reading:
4,30
